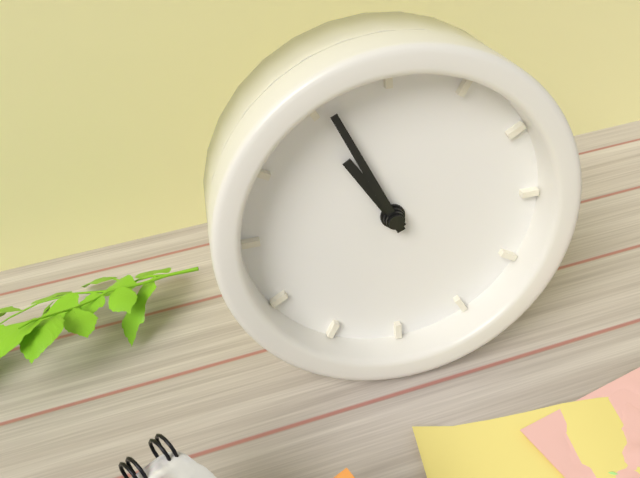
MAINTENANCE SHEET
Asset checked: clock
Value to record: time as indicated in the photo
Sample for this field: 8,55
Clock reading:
10,56
